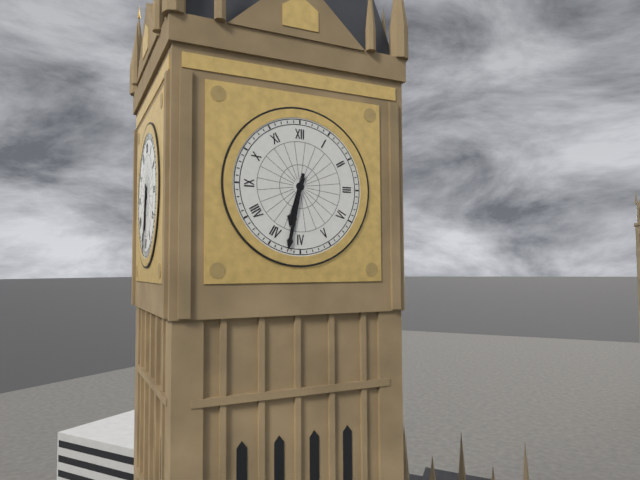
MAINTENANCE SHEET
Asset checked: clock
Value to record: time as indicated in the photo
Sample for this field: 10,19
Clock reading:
6,32
